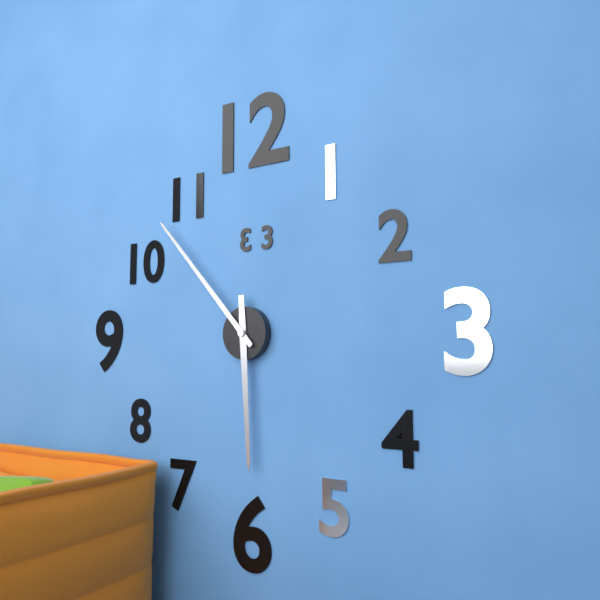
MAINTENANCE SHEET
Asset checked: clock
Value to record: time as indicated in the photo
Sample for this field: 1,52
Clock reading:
5,53
